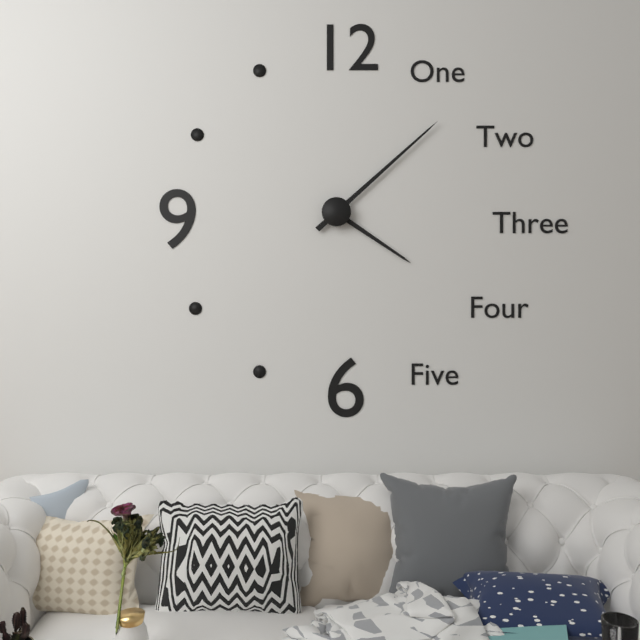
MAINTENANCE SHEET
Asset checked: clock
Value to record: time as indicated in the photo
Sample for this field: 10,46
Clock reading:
4,08
